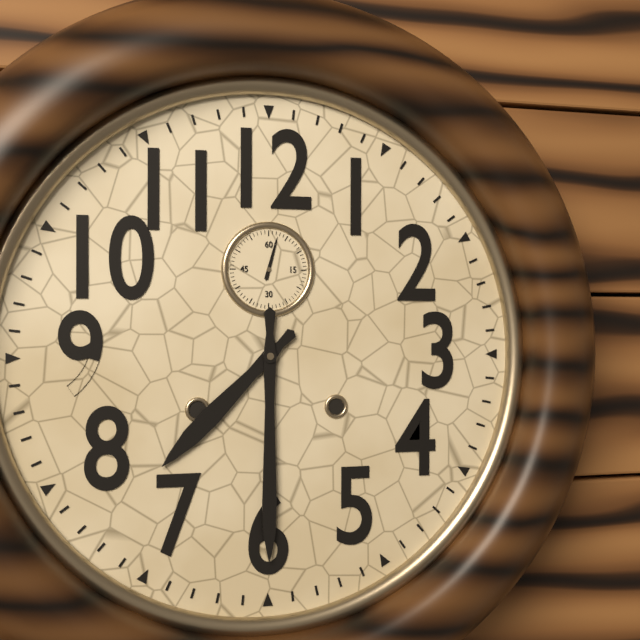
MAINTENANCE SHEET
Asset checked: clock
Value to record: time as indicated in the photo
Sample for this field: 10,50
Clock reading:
7,30
